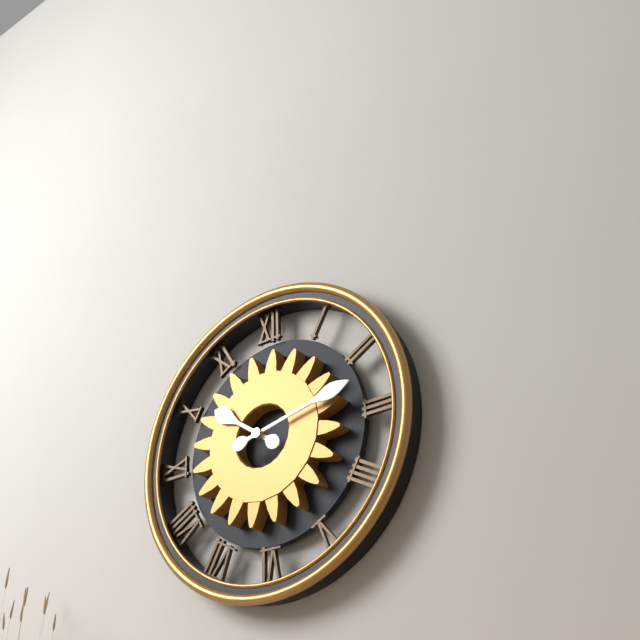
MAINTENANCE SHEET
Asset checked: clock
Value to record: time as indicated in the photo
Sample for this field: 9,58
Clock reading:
10,13
